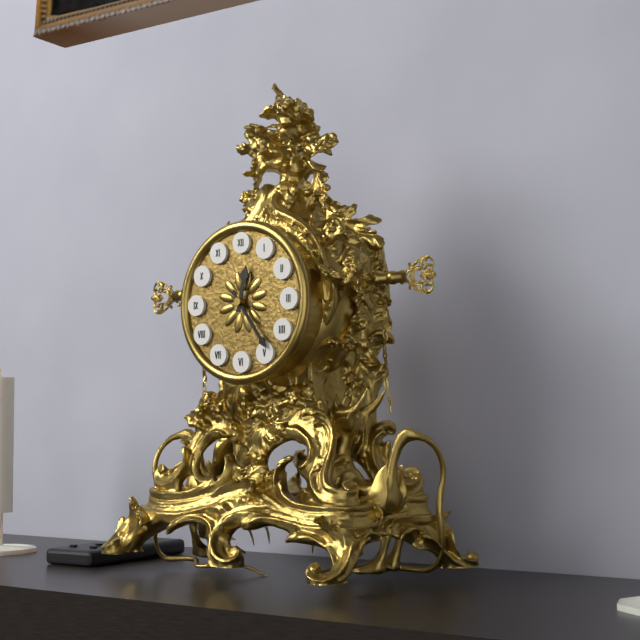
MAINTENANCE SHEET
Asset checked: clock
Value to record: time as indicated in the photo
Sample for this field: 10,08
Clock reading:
12,24
